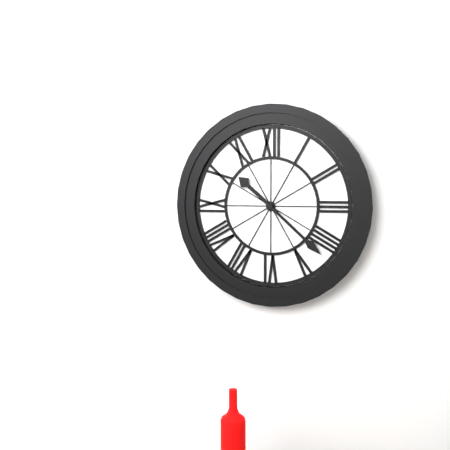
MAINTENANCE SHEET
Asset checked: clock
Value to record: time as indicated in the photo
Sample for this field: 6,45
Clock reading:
10,22
